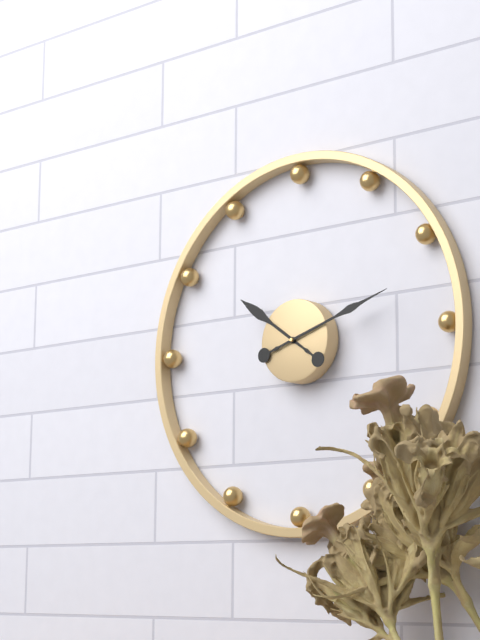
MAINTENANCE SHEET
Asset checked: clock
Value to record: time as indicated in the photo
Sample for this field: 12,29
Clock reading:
10,12
